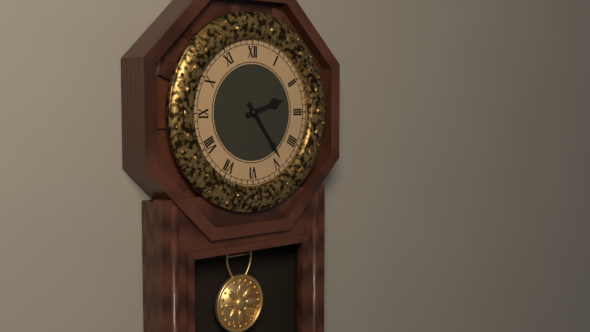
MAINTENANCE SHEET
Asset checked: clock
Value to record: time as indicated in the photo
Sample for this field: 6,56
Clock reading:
2,24
